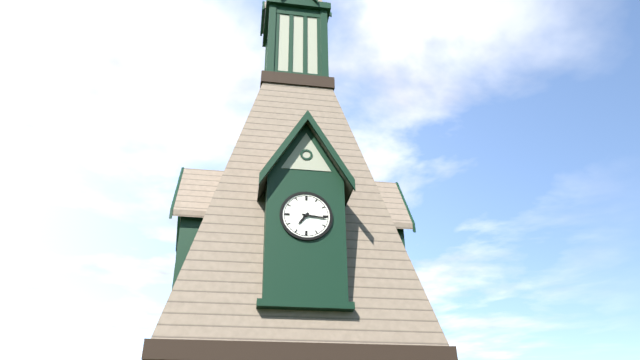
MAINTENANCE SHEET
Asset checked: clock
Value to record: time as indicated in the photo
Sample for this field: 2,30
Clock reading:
7,16
